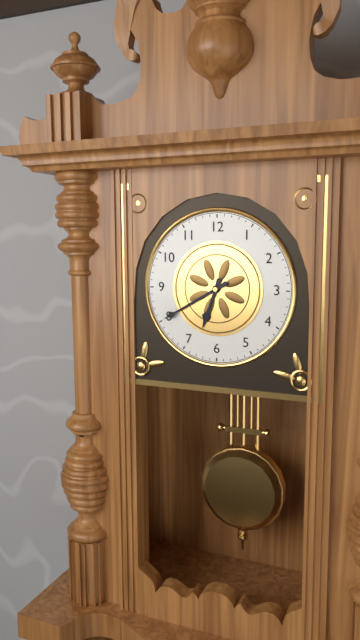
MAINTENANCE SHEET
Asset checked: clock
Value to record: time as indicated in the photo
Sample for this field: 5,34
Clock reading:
6,40
